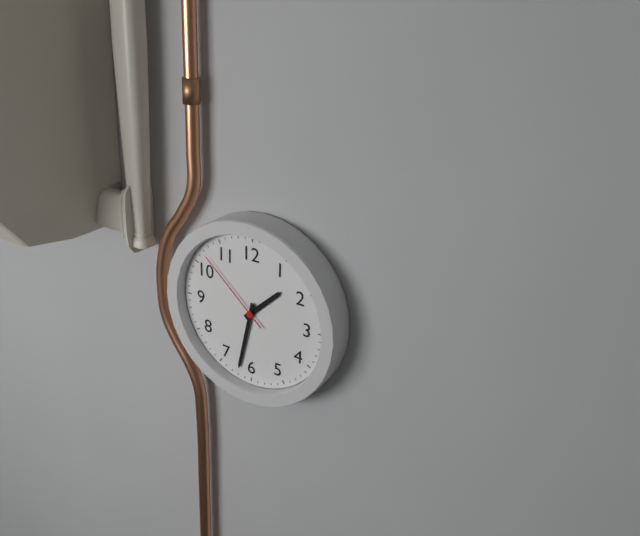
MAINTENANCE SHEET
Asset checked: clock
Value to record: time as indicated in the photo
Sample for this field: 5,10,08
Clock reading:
1,32,52
